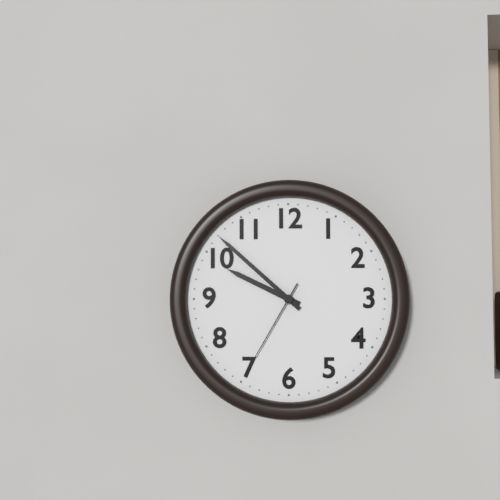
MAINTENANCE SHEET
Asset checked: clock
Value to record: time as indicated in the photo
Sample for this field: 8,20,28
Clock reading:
9,52,35
